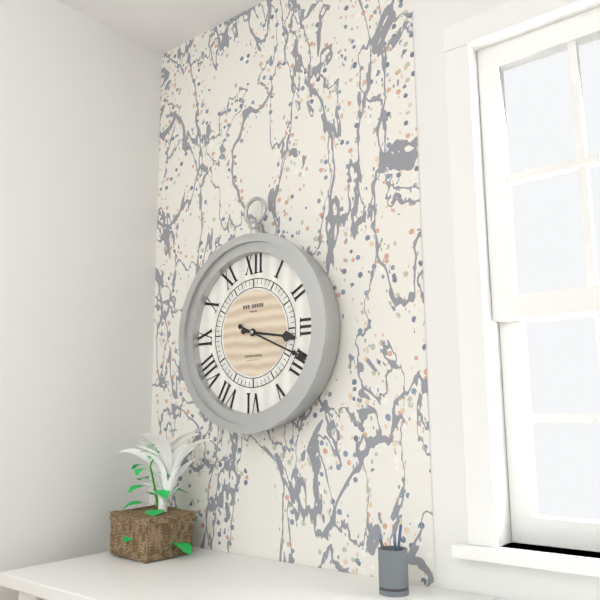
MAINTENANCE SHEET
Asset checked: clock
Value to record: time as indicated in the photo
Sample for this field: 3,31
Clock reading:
3,19
